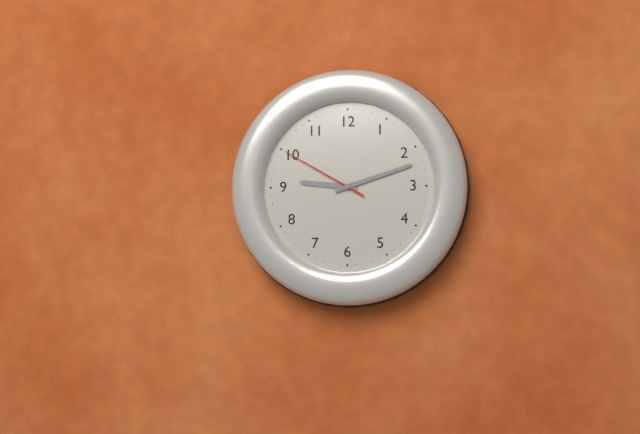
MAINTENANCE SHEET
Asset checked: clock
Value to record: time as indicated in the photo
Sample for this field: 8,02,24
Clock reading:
9,12,50
